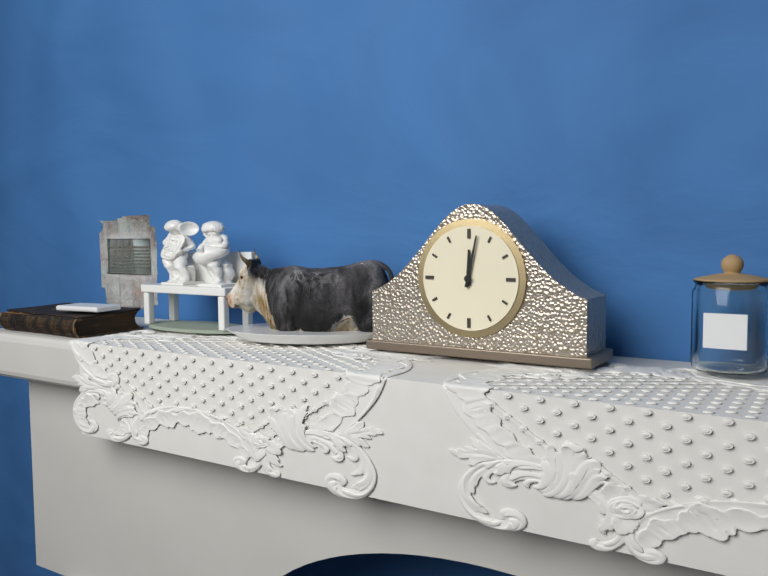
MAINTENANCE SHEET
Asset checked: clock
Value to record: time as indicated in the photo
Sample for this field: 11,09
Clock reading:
12,02
